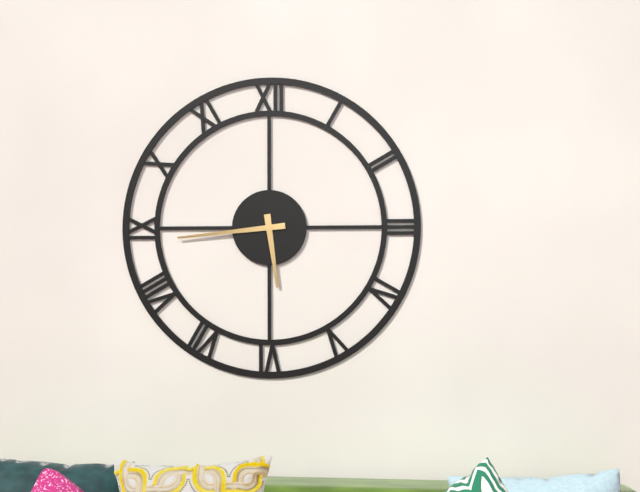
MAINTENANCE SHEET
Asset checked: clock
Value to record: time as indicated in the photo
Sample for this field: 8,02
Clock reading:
5,44
